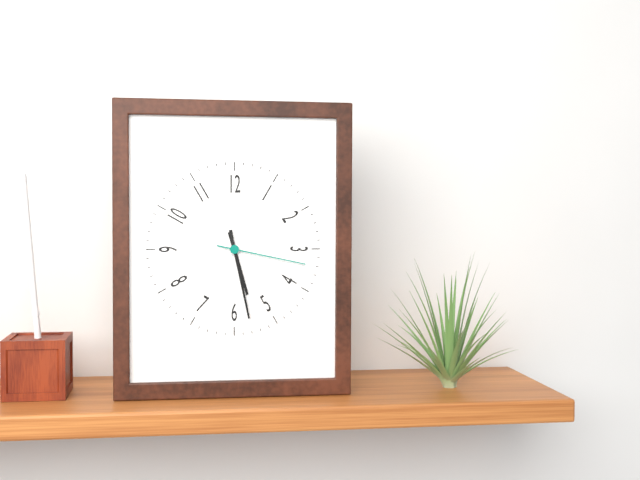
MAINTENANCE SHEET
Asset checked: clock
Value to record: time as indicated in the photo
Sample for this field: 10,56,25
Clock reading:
5,28,17
